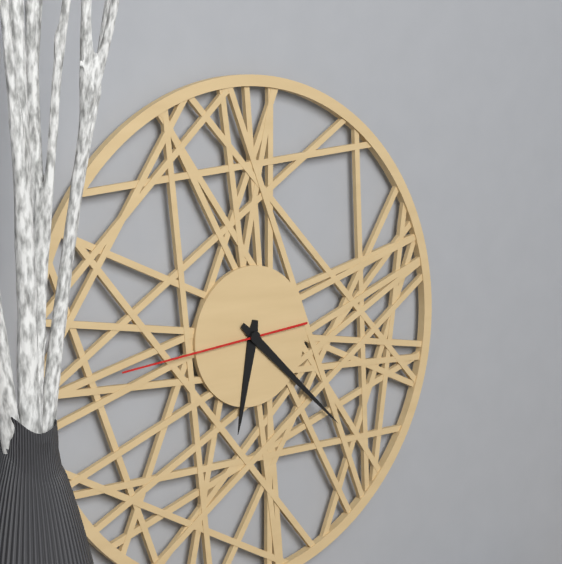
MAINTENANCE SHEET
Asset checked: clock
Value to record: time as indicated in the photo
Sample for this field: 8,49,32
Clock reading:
6,22,44
